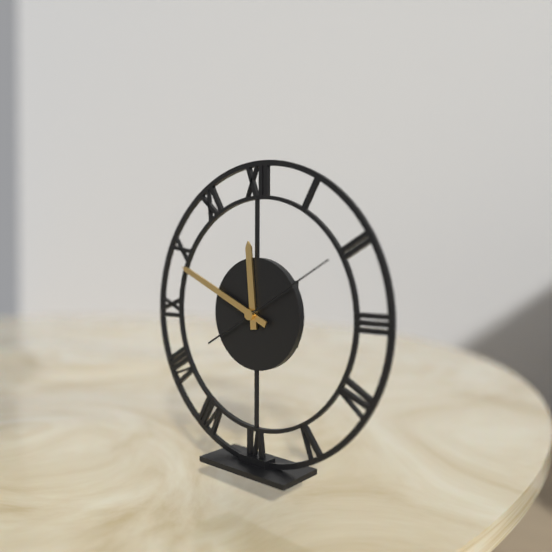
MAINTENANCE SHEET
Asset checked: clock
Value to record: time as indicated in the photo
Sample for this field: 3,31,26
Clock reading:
11,49,10
